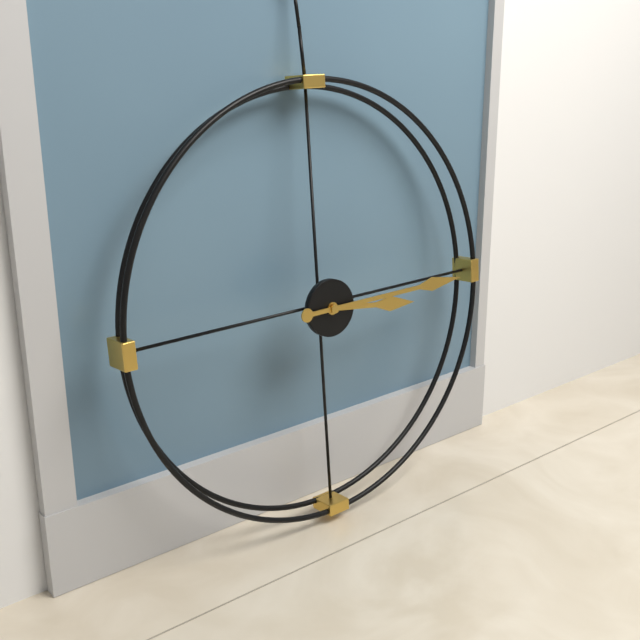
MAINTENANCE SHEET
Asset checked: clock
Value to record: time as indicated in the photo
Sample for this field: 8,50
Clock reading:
3,15
